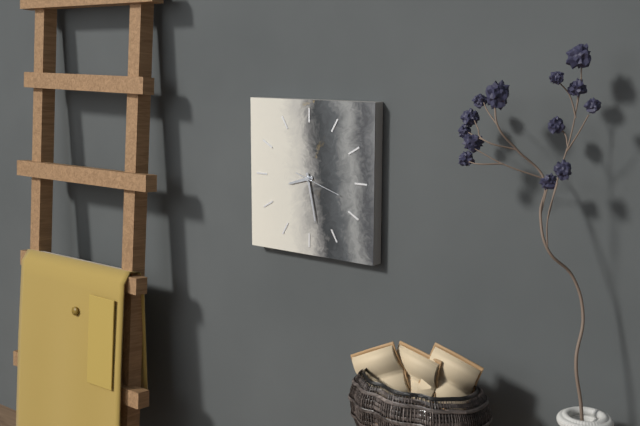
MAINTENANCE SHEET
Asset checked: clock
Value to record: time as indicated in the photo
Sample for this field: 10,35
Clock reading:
8,28
